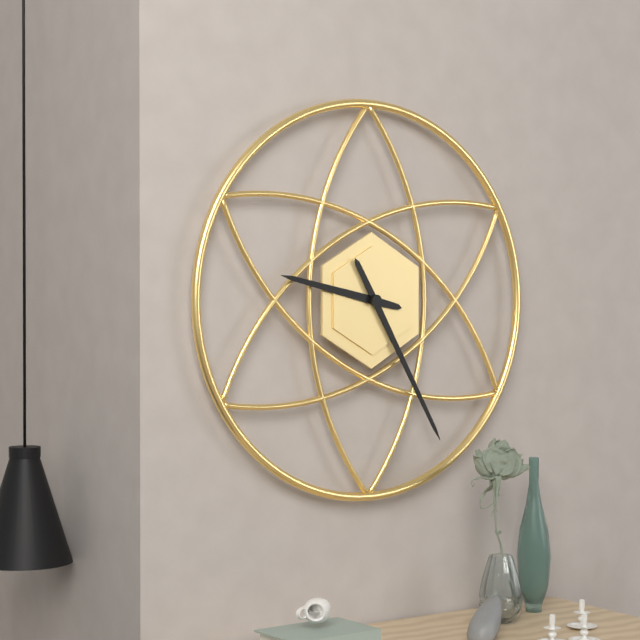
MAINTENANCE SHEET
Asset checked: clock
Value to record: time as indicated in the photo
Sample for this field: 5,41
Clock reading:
9,25
